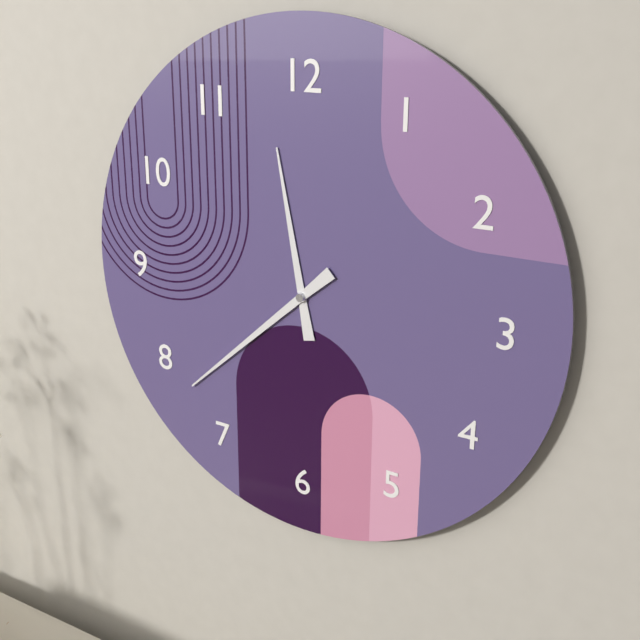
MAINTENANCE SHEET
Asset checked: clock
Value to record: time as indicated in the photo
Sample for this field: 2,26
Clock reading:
11,38
